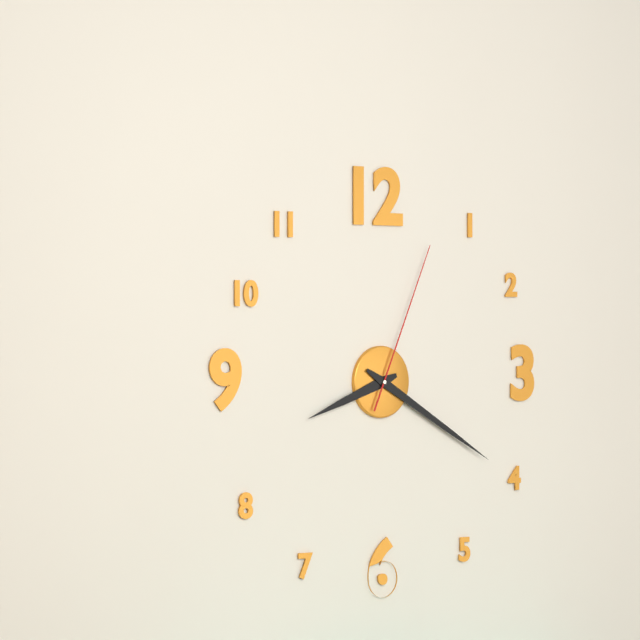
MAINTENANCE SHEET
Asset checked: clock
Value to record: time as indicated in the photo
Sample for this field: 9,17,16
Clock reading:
8,20,04
